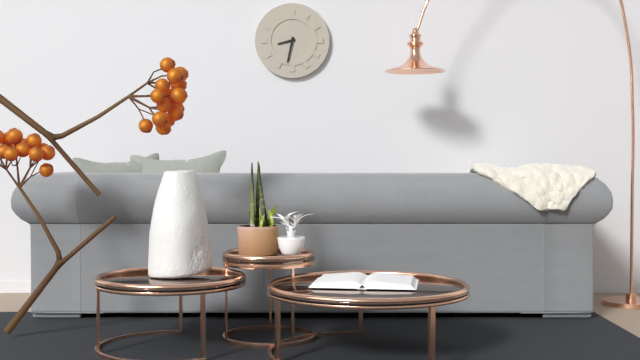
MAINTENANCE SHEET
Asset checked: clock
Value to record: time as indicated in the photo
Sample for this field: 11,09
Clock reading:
8,32
